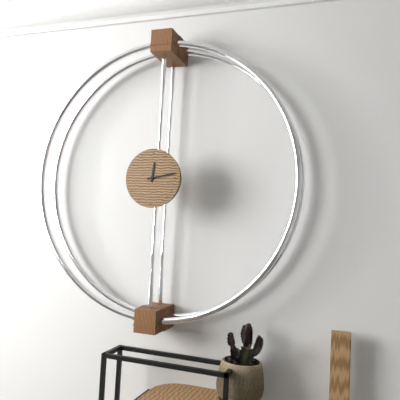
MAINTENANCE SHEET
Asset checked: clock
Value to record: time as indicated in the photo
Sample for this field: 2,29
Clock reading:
12,13
